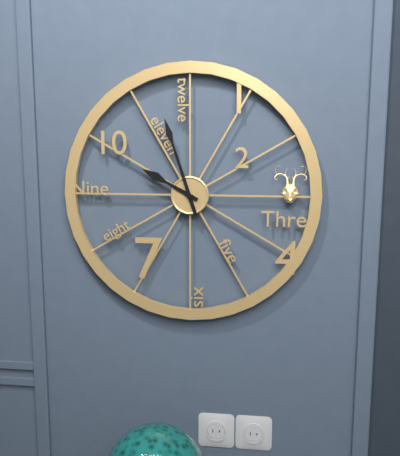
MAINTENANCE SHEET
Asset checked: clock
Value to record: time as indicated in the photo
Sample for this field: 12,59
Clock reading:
9,57
